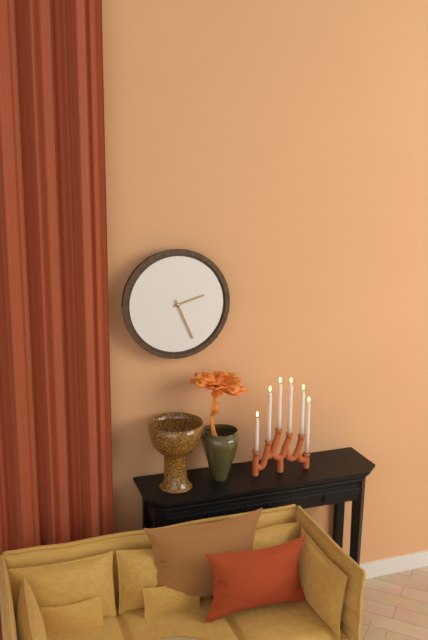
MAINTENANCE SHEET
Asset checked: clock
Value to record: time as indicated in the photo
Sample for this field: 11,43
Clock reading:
2,26
